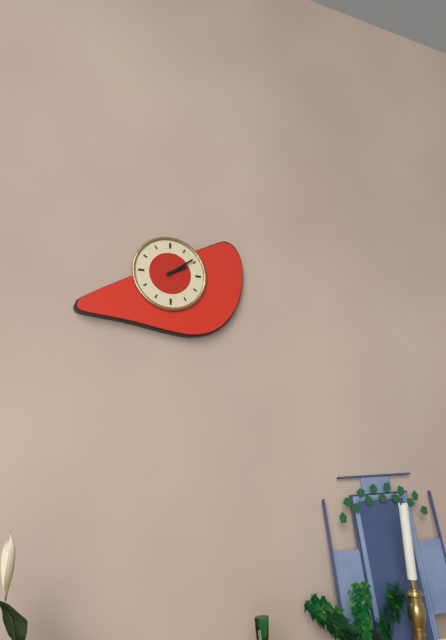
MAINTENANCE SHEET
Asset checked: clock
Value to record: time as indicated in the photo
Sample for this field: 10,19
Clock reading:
2,09
